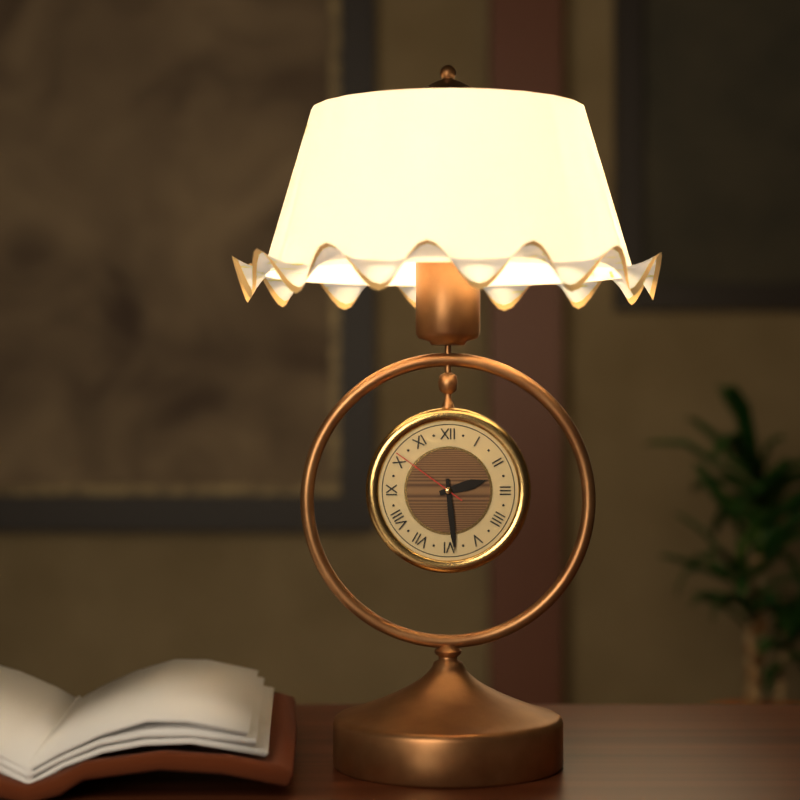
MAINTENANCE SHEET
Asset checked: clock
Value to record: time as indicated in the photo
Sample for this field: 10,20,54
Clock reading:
2,29,51
